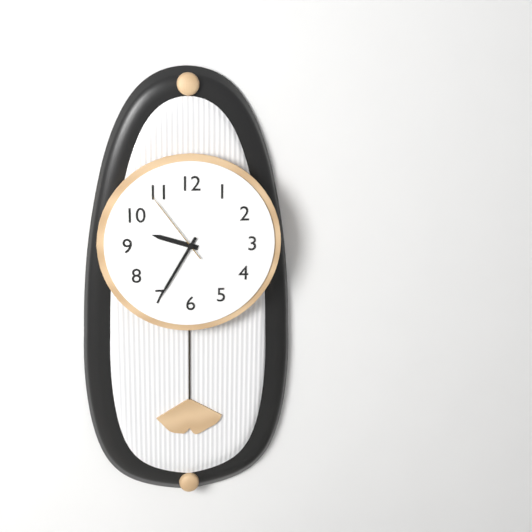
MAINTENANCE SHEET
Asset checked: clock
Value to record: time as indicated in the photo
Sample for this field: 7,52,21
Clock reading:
9,35,54
